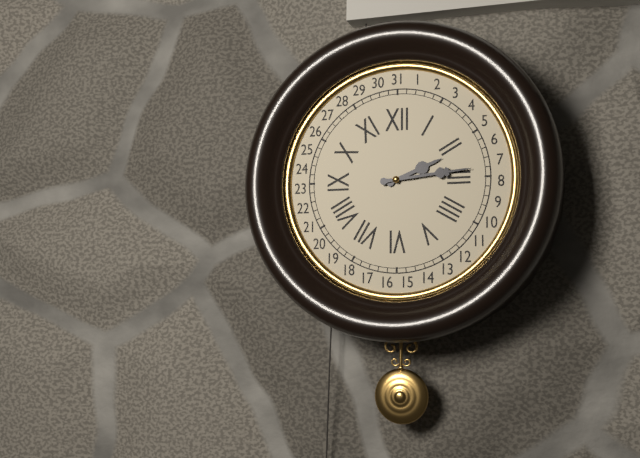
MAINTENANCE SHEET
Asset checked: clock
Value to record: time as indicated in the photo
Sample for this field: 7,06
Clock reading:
2,14
